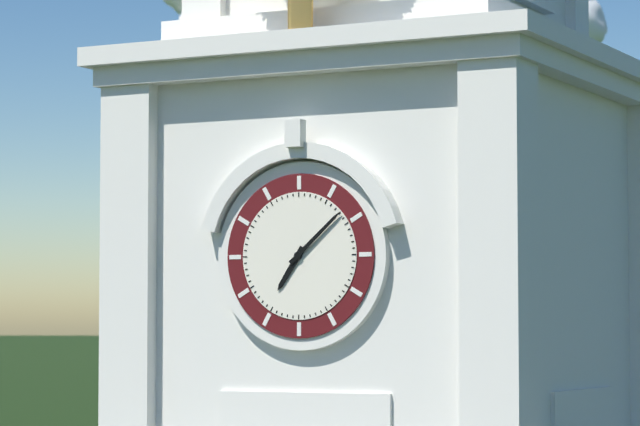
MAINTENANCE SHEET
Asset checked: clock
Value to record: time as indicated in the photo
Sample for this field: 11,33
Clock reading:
7,08
